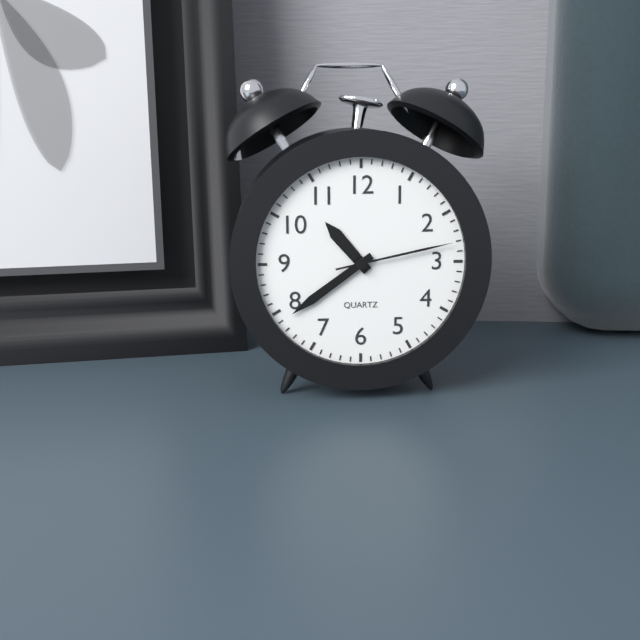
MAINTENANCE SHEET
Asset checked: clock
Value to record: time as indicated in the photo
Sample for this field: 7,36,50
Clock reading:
10,39,13
